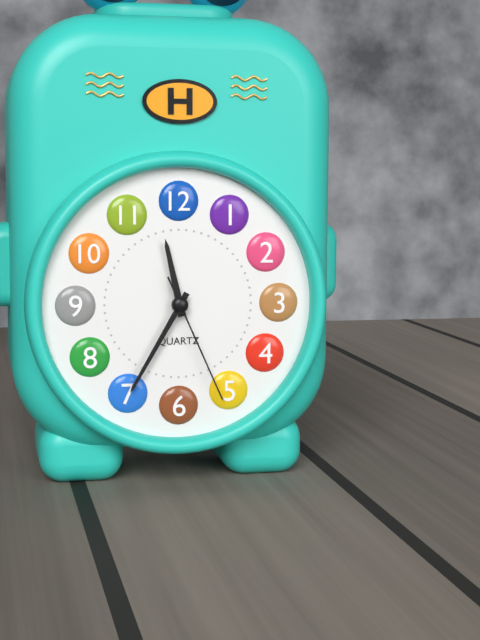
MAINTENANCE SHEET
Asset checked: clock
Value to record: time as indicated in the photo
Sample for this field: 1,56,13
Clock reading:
11,35,26
